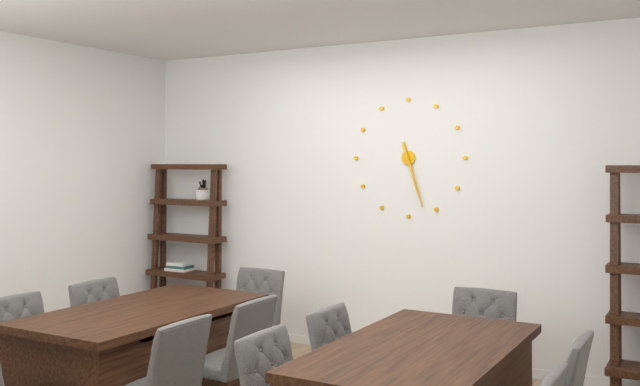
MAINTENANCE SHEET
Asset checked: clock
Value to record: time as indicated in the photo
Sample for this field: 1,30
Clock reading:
5,27
